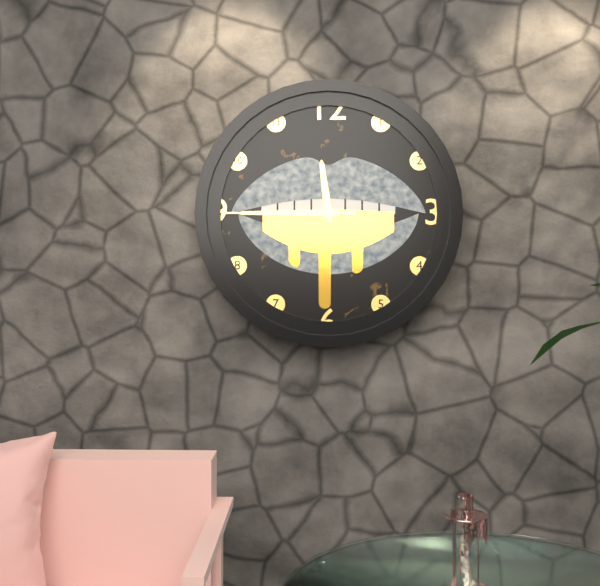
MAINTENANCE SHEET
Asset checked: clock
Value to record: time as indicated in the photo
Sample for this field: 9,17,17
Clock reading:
11,45,45
